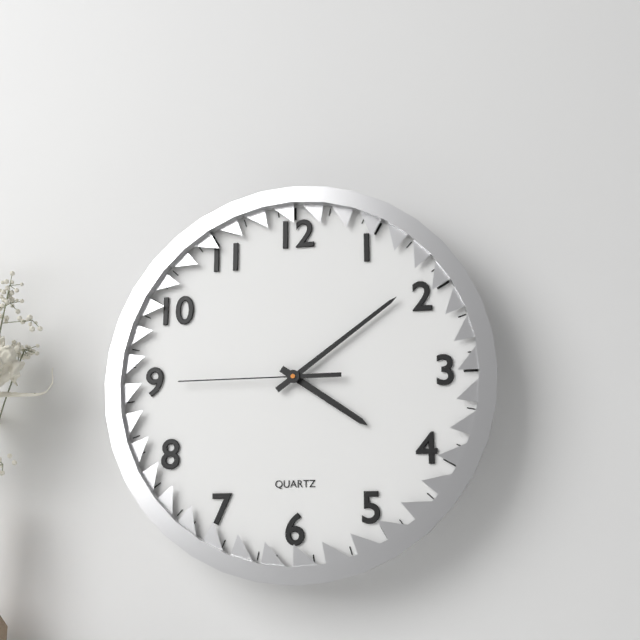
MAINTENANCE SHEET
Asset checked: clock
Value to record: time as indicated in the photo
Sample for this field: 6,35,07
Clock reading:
4,09,45
